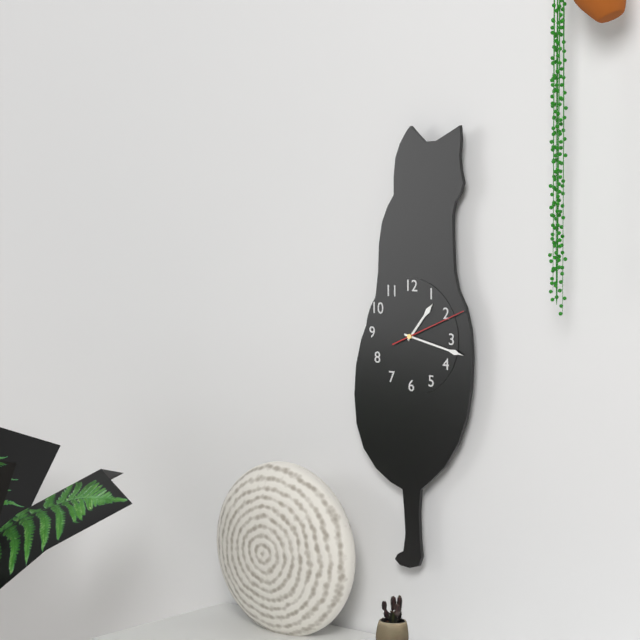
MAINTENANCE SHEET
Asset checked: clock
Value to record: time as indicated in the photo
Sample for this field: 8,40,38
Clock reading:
1,17,11
